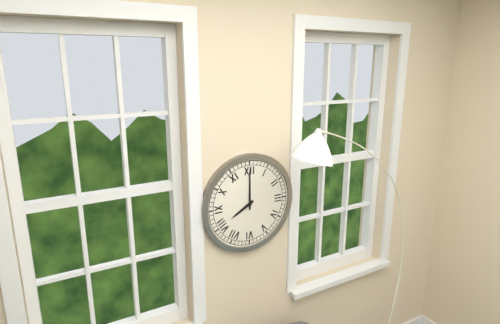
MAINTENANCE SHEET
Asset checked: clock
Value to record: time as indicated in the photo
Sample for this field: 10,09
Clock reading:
8,00
